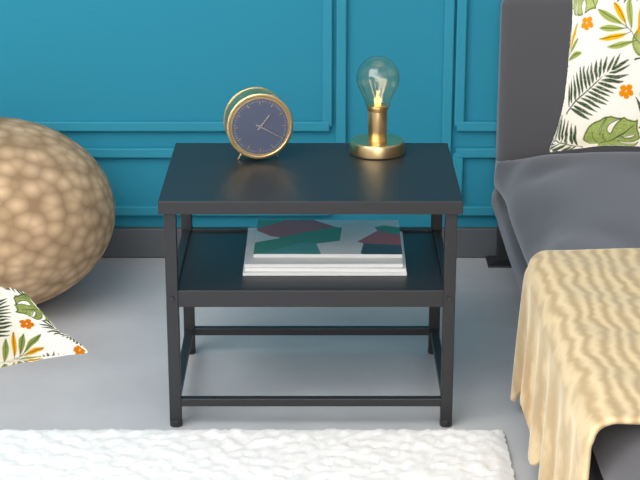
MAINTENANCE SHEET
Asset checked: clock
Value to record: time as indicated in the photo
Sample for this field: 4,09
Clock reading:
1,20
